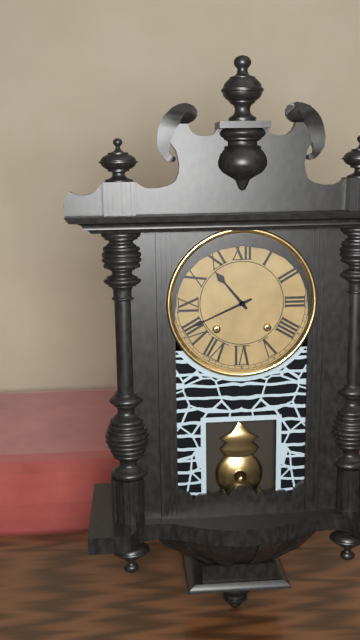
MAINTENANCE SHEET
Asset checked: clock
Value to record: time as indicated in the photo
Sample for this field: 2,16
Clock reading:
10,41
